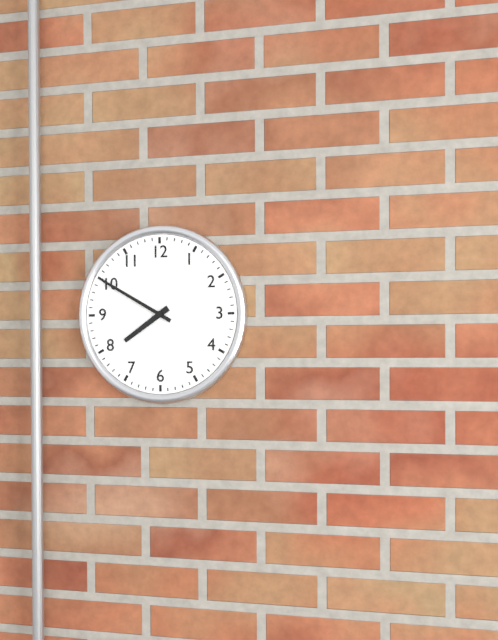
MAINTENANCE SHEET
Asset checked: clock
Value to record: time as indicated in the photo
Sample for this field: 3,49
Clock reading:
7,50
